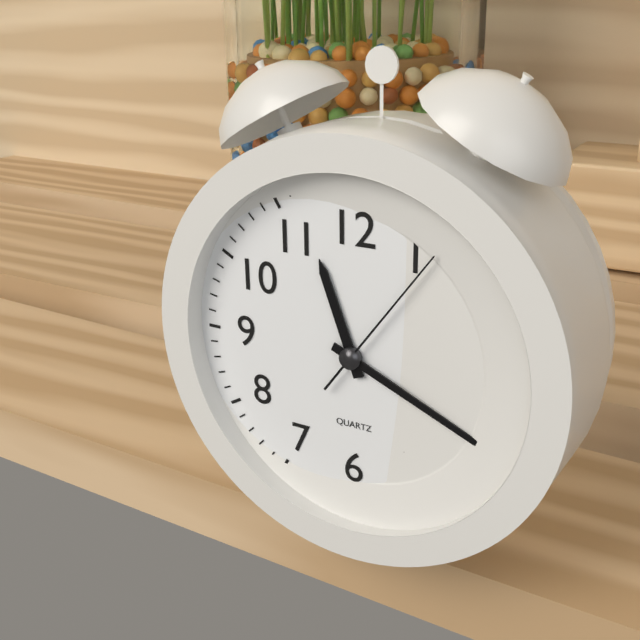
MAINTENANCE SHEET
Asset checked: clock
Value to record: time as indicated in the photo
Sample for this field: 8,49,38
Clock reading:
11,19,06
